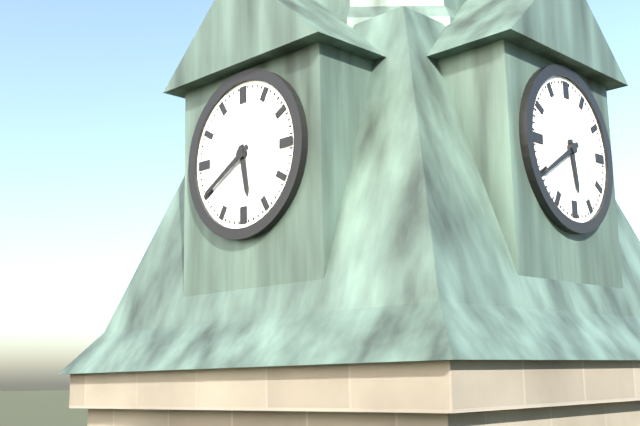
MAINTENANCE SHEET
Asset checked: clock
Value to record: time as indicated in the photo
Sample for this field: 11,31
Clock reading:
5,40
